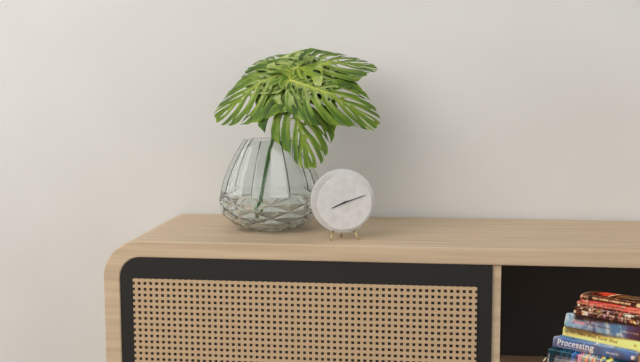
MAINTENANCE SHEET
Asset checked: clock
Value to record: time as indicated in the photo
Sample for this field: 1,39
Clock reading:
8,12
